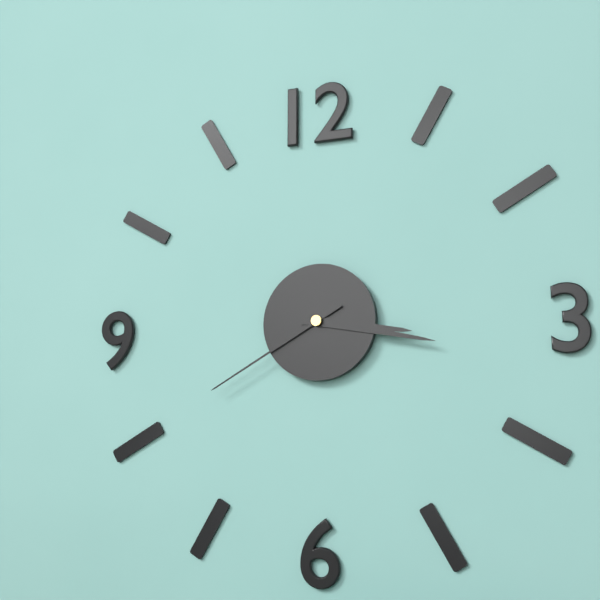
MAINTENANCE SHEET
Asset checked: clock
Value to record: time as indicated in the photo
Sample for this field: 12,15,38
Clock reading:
3,17,40
